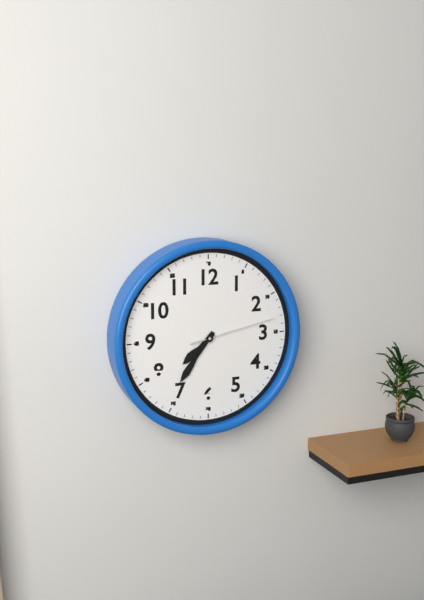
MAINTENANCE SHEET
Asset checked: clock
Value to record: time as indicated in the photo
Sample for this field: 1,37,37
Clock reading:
7,36,13
